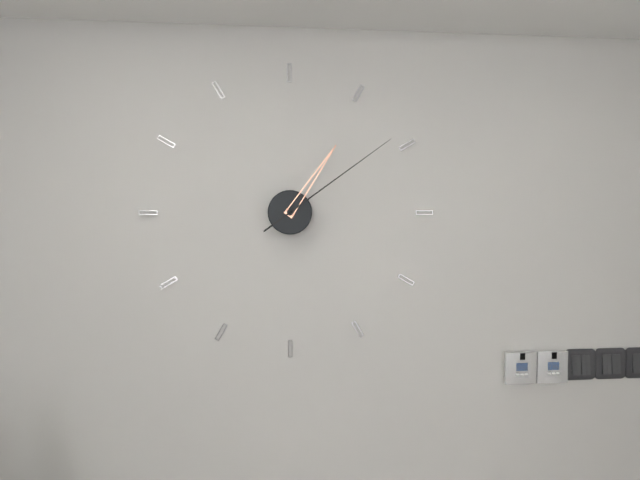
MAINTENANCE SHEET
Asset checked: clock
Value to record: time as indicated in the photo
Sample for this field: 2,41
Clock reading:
1,09
